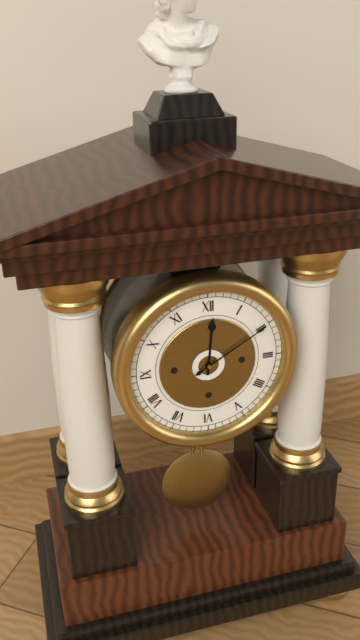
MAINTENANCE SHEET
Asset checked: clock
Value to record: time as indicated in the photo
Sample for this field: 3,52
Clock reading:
12,10
